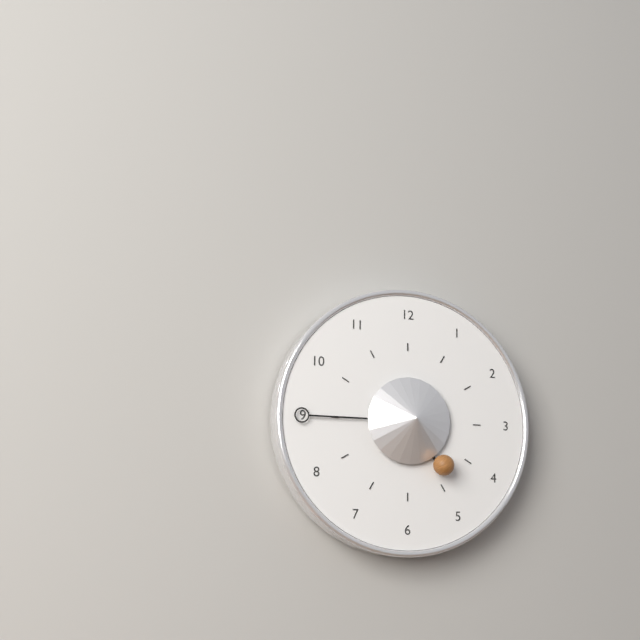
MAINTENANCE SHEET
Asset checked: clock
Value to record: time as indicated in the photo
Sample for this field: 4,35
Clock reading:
4,45
